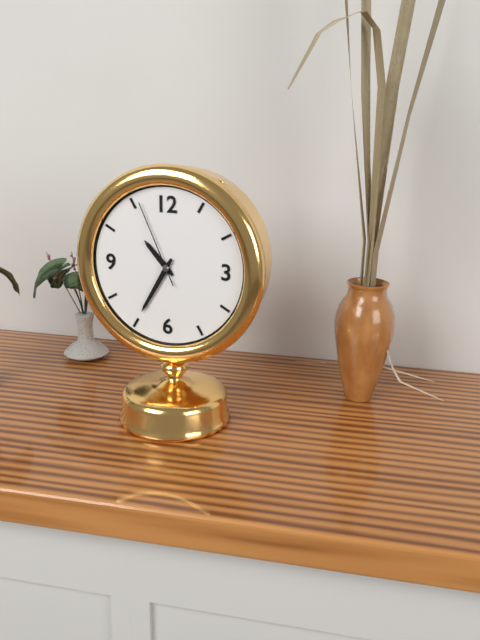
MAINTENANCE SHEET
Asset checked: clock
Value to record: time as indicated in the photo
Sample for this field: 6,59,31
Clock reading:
10,35,56
